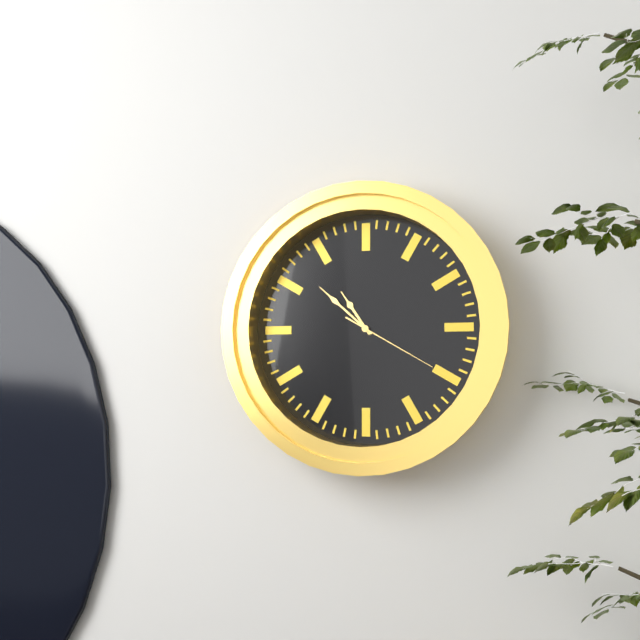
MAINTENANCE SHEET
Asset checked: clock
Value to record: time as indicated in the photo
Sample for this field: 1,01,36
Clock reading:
10,52,20
